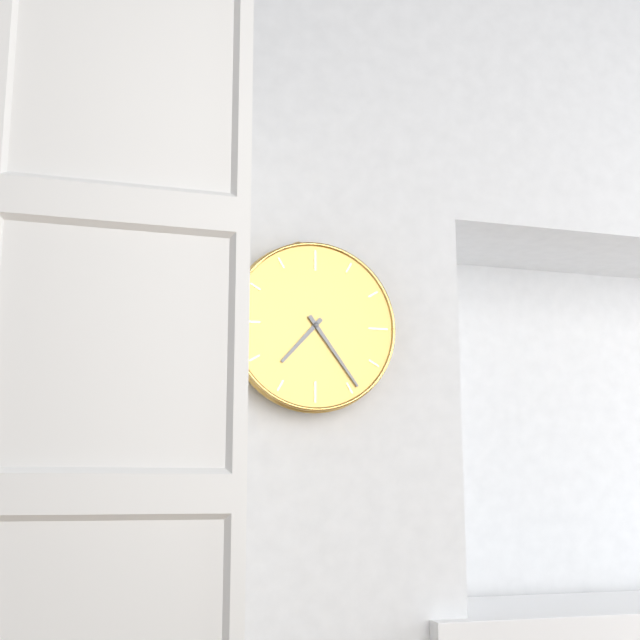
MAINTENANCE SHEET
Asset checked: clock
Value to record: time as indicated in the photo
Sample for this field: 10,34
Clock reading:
7,24
